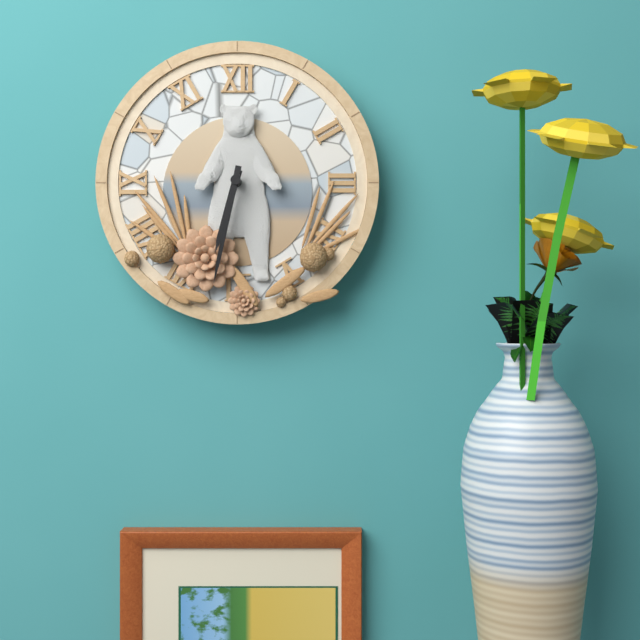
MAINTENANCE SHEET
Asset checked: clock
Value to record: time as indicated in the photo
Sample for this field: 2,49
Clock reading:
6,32
